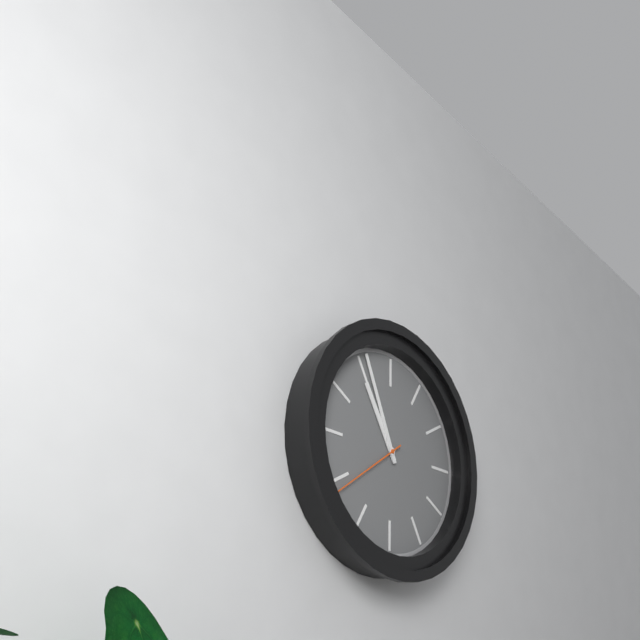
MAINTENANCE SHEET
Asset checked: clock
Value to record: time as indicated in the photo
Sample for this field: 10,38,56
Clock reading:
10,56,39
